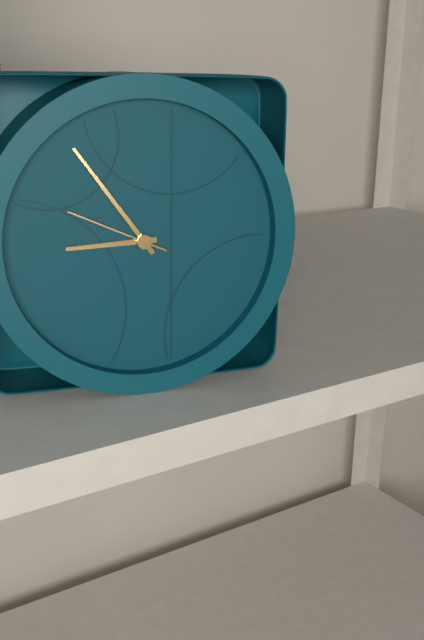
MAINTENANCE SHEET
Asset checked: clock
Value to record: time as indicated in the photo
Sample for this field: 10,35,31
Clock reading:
8,54,49
